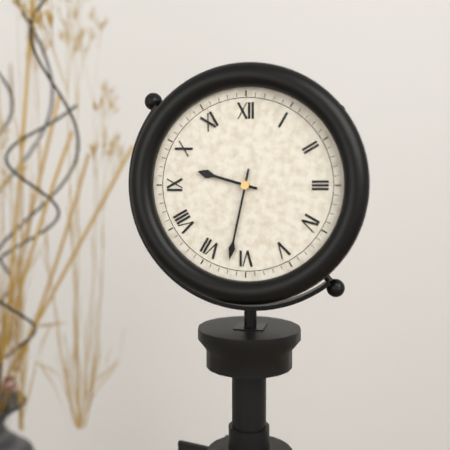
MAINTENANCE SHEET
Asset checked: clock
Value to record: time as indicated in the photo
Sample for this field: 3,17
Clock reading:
9,32
